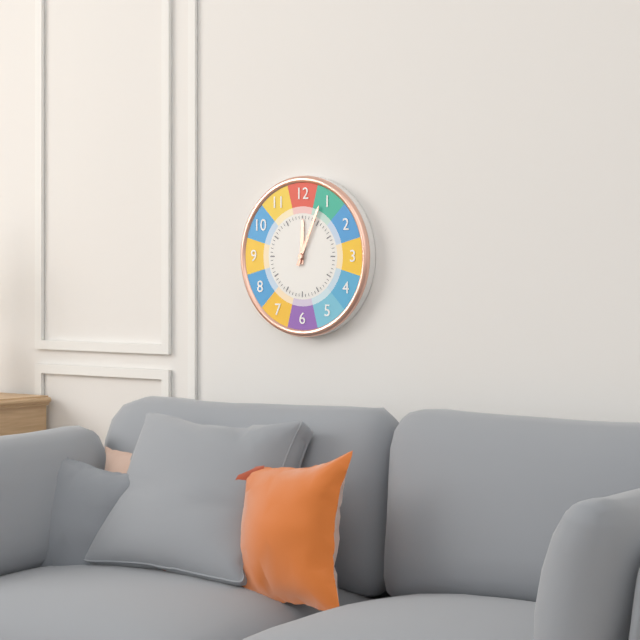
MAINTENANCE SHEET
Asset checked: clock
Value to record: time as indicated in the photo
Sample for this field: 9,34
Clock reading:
12,04
